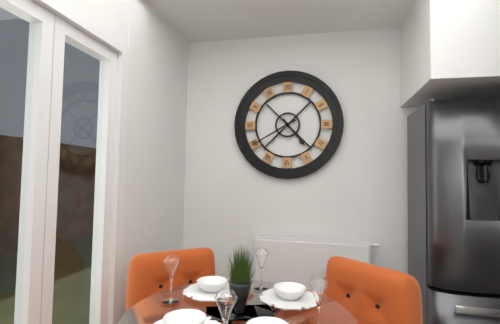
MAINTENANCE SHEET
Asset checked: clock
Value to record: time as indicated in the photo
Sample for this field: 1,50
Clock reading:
4,40
